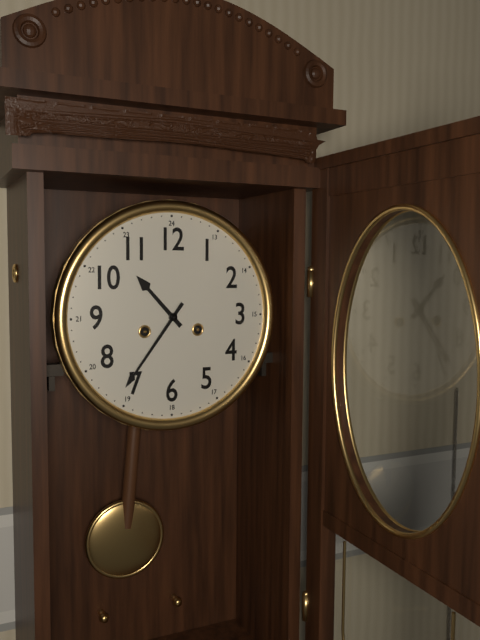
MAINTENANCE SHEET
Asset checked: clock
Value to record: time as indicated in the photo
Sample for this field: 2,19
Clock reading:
10,36
